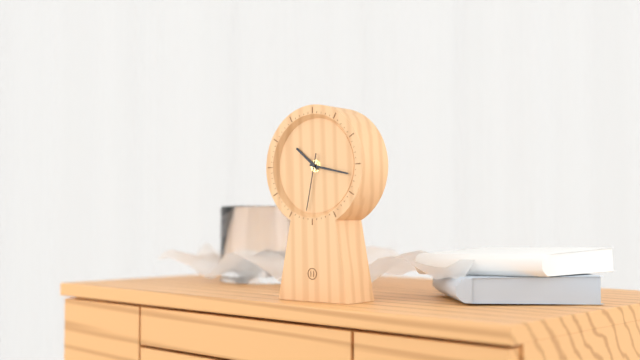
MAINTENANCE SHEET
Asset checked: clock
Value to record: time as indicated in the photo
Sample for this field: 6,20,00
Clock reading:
10,17,32
